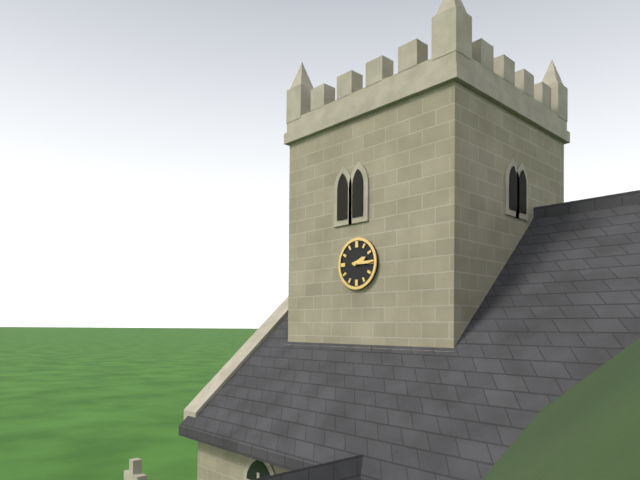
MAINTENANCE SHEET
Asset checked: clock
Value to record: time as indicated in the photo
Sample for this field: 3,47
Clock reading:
2,15
